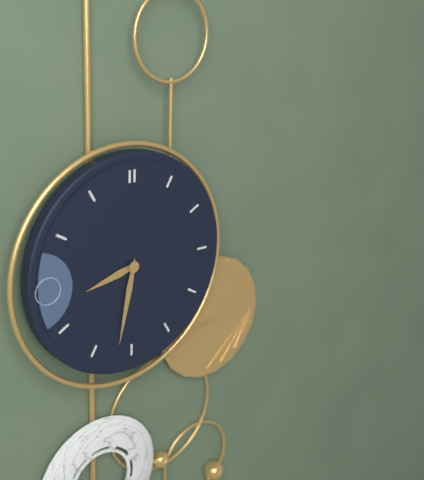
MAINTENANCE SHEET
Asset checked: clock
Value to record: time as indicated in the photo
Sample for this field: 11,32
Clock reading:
8,32
